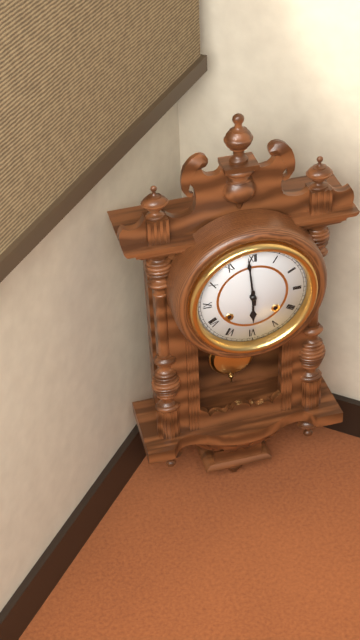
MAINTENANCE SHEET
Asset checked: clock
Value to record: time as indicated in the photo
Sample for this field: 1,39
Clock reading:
5,59
